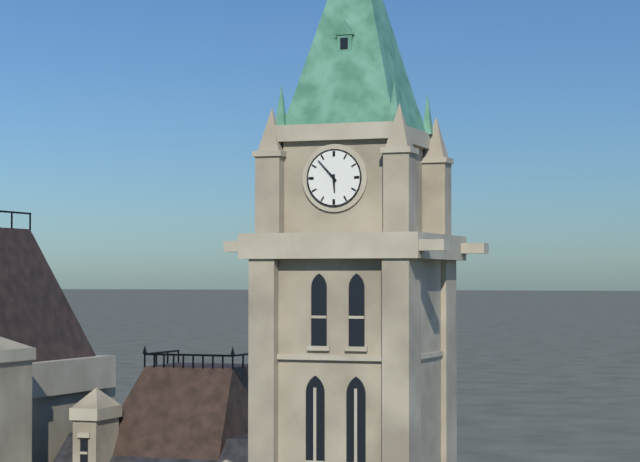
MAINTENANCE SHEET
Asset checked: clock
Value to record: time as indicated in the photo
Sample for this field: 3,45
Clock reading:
5,53
